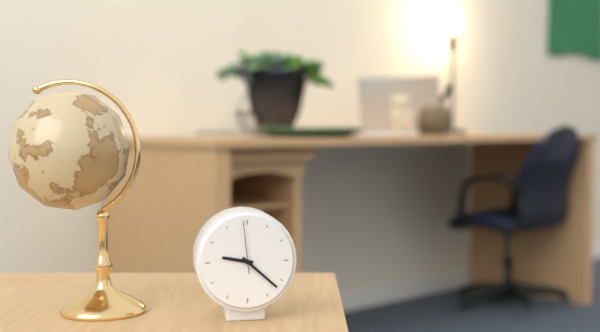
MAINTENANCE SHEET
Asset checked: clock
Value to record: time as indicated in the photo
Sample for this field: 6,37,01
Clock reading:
9,22,59
